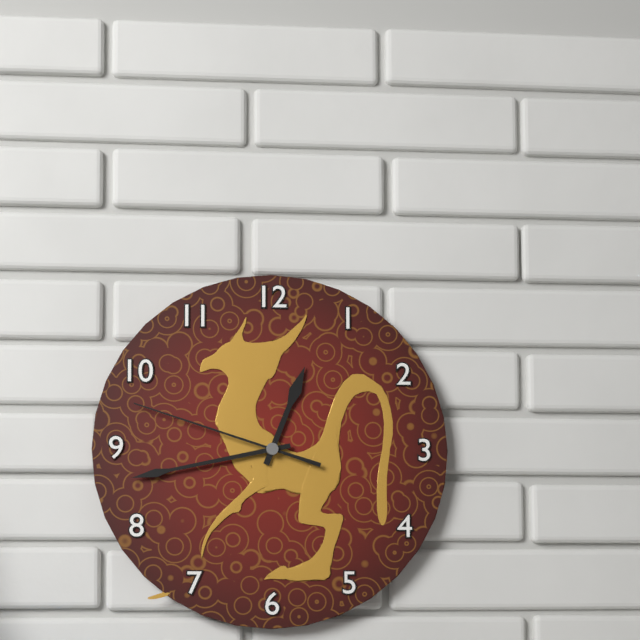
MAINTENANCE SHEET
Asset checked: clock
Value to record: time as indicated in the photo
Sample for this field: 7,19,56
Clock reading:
12,43,48
